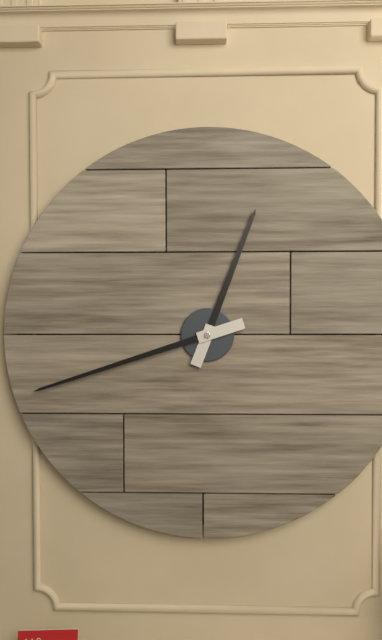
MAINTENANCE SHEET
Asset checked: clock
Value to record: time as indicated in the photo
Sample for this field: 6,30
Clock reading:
12,42
